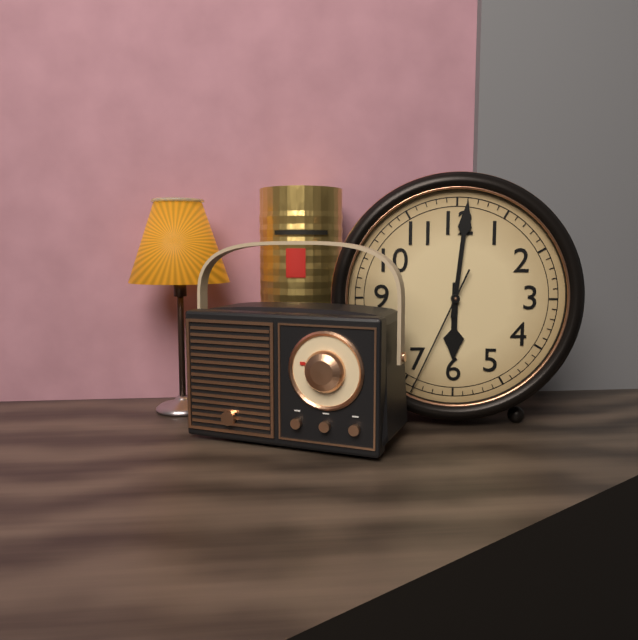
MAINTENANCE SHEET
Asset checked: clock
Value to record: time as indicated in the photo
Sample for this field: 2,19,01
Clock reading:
6,01,34
